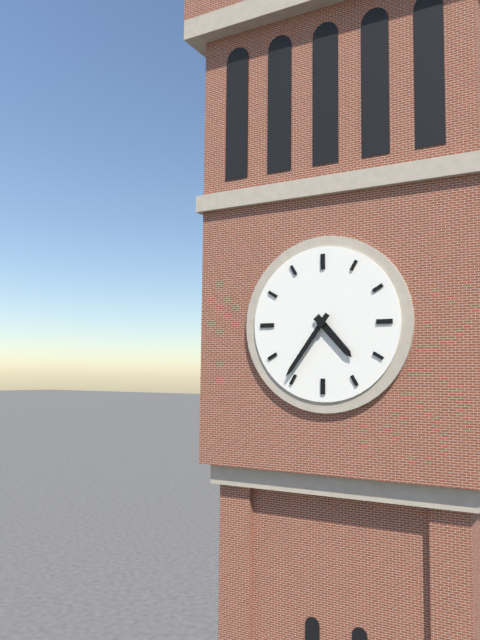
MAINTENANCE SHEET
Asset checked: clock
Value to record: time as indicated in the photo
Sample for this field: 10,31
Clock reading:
4,36
